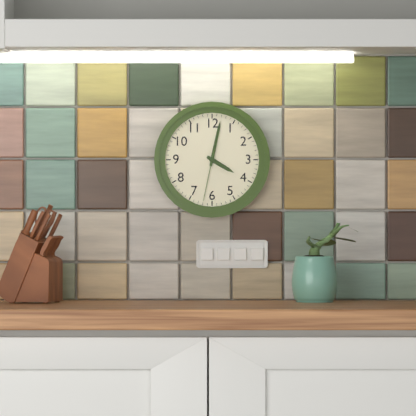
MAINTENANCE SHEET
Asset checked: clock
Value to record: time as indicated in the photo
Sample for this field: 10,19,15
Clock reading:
4,02,32
